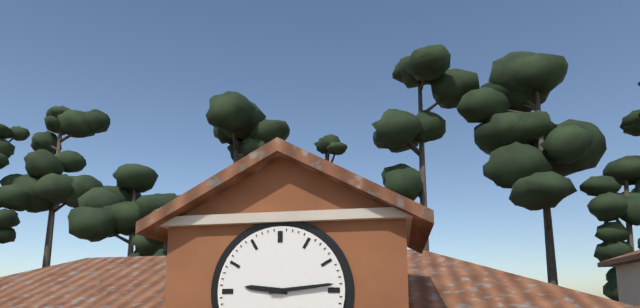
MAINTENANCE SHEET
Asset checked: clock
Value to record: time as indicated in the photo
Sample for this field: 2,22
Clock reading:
9,14
